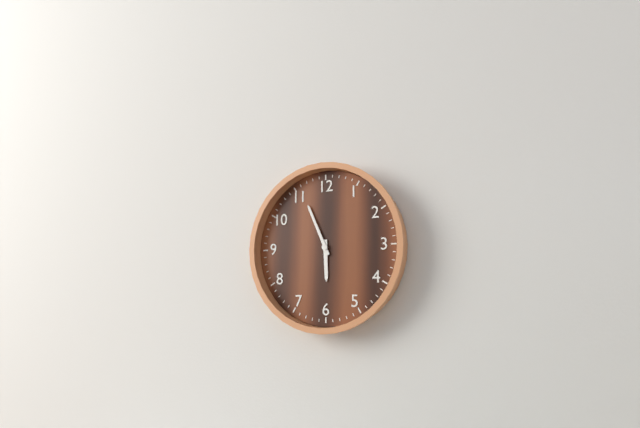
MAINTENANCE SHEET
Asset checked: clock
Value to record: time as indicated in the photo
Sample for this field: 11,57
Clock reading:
5,56
